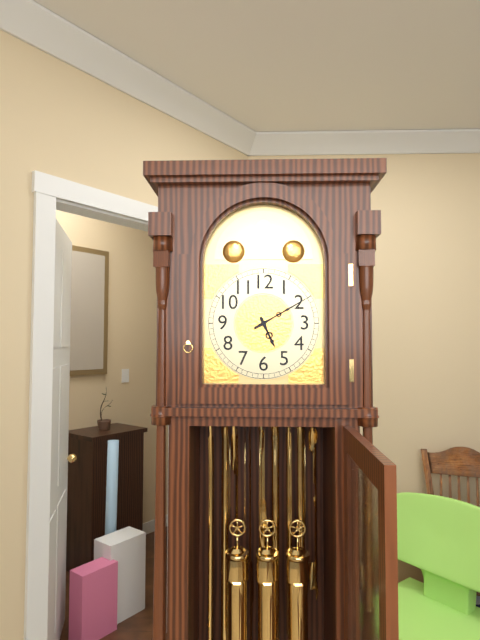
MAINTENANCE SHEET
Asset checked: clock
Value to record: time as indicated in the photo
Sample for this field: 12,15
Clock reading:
5,10
